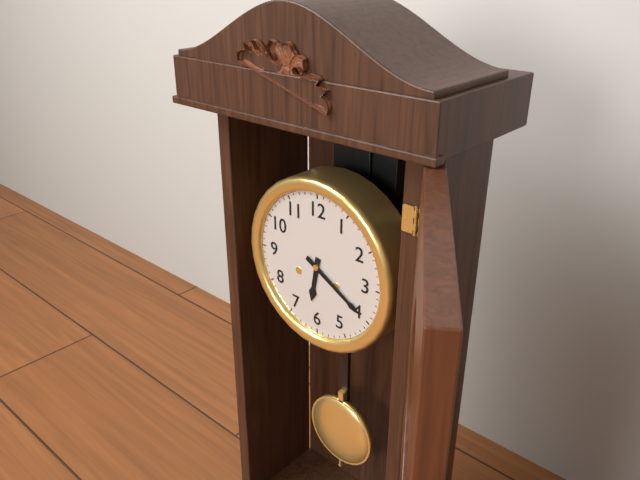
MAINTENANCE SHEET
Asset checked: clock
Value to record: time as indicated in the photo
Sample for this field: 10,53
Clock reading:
6,20
